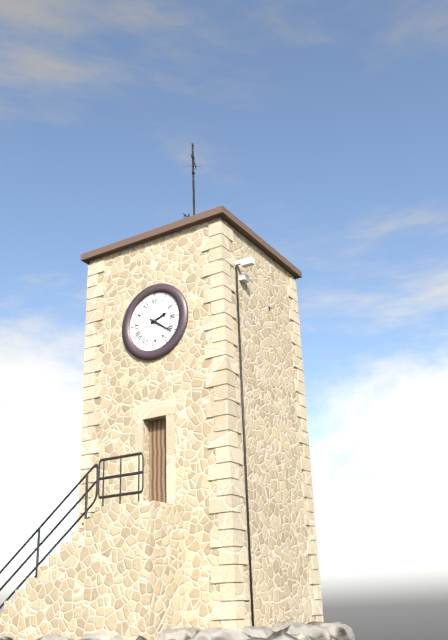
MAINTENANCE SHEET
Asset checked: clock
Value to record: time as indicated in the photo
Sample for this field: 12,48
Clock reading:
2,21
